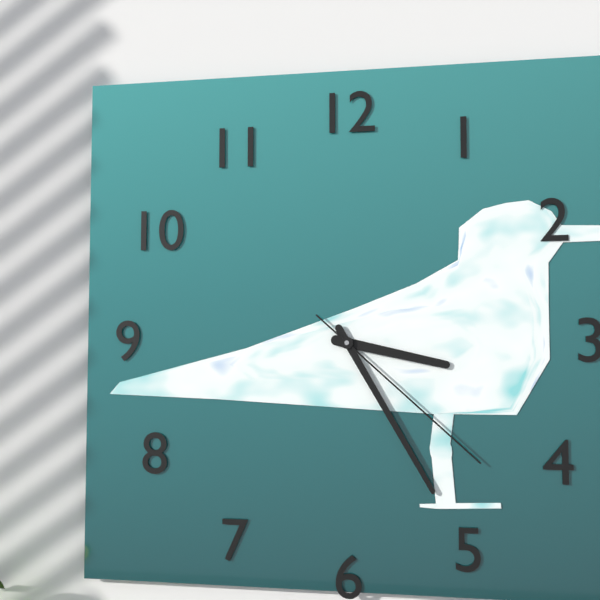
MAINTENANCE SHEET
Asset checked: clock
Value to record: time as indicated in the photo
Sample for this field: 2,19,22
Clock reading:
3,25,22
